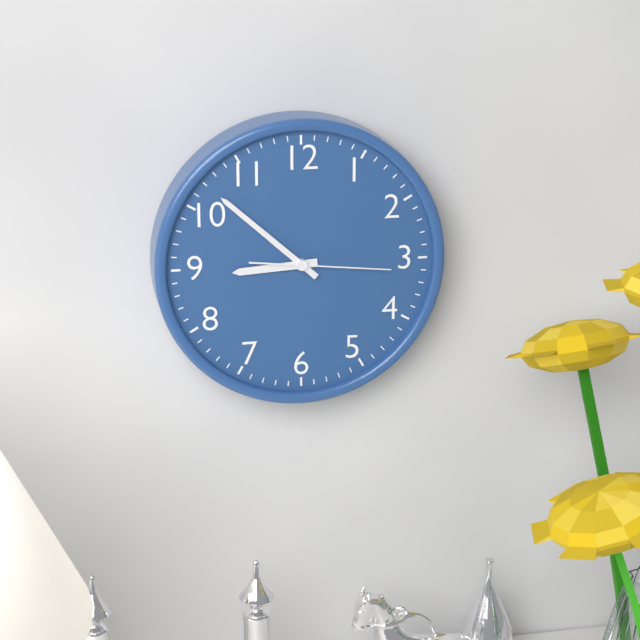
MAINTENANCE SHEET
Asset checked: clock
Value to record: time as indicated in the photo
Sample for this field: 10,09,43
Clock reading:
8,52,16
